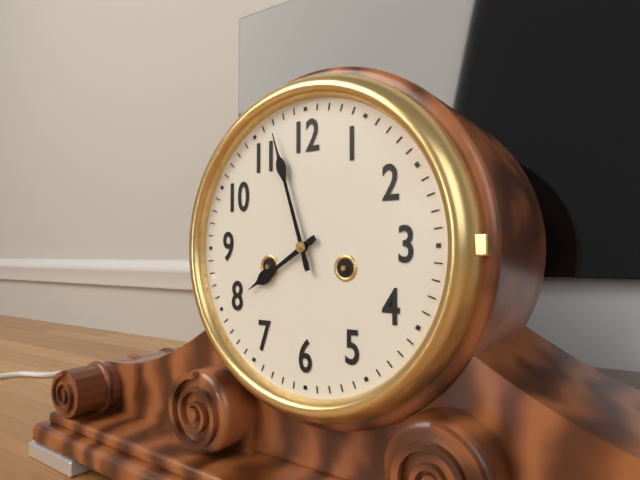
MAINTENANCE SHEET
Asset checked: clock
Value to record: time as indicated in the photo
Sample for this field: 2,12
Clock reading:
7,57
